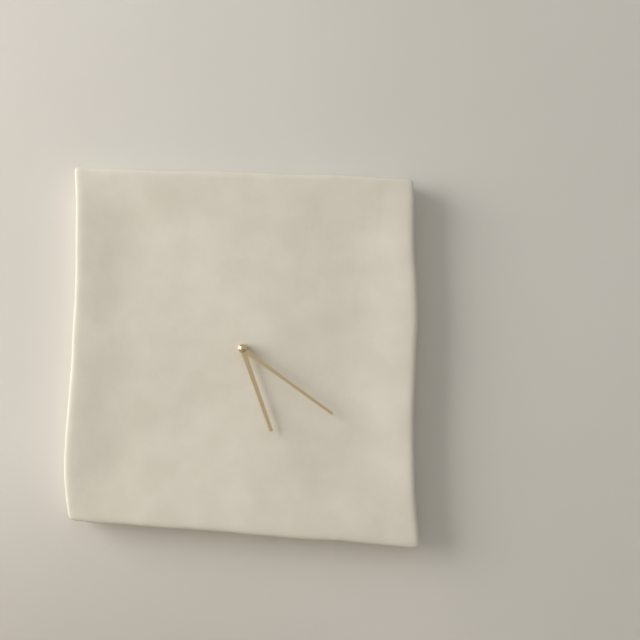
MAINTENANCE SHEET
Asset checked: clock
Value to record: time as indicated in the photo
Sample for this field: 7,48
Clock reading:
5,21
